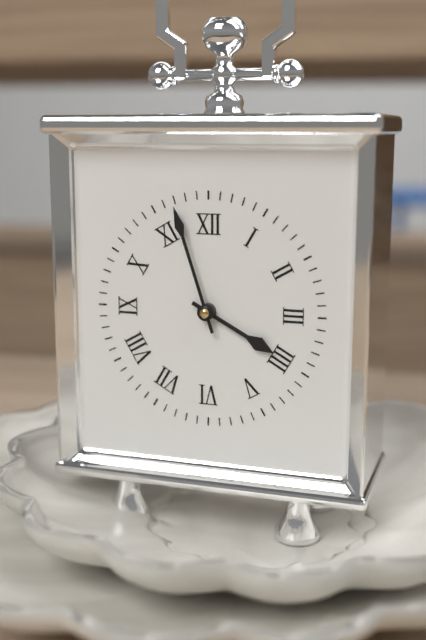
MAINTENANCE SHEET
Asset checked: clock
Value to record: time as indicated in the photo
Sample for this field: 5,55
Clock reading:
3,57
